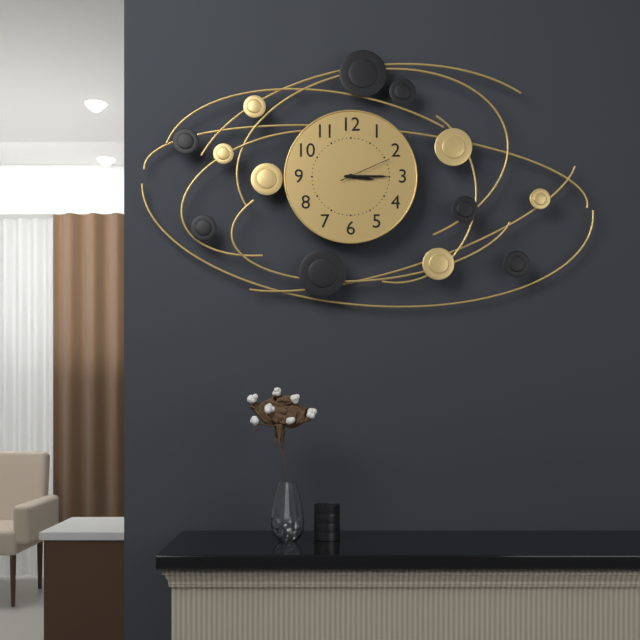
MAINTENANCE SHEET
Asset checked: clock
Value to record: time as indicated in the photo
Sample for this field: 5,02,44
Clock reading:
3,15,11
